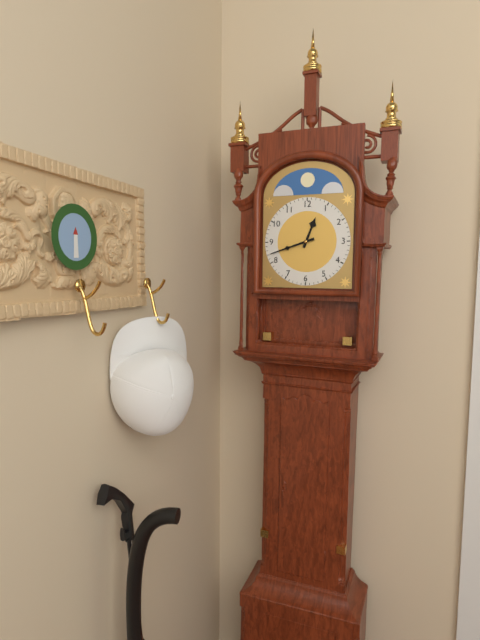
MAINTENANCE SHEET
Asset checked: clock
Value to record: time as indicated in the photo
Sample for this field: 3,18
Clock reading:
12,42
